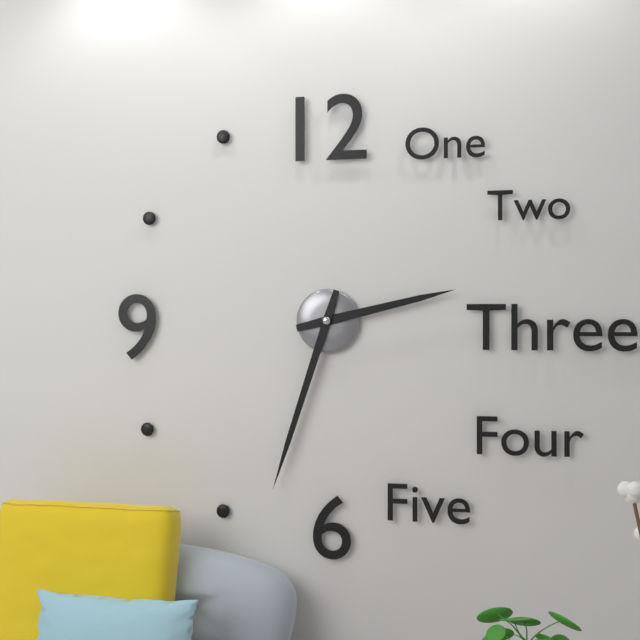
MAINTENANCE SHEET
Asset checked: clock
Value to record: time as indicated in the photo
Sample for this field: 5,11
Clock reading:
2,33
